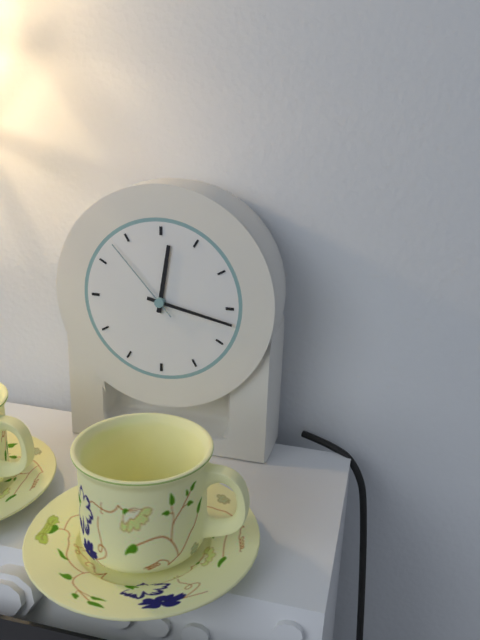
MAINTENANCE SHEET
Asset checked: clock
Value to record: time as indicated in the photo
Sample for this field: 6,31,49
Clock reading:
12,17,53
